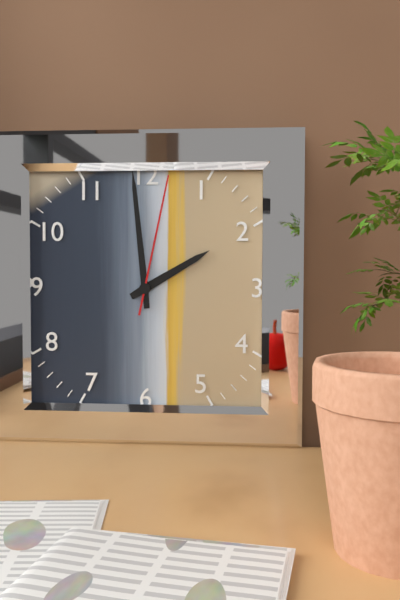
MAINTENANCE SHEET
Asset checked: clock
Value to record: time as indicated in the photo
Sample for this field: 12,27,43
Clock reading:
1,59,02
